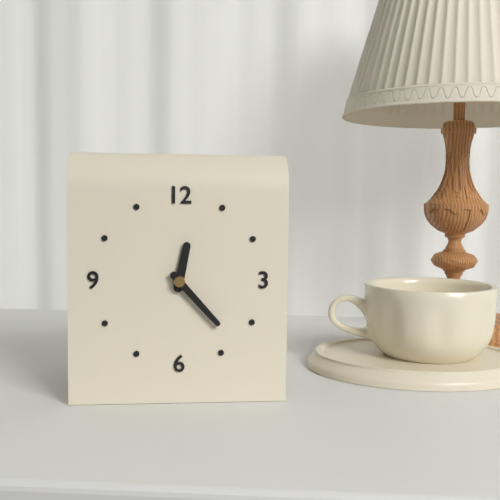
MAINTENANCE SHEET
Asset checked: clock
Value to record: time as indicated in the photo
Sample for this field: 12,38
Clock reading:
12,23
